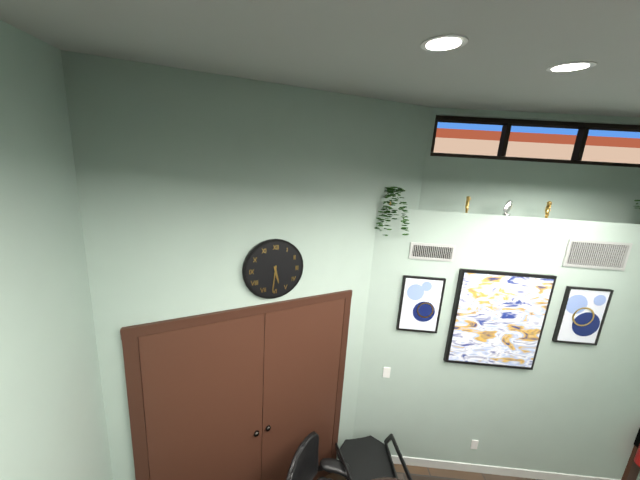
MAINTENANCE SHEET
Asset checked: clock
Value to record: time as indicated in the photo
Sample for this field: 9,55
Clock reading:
5,31
